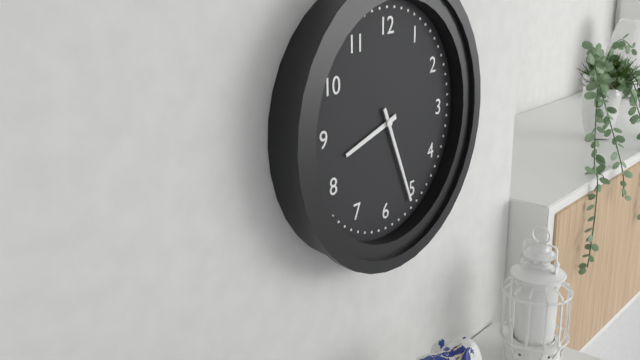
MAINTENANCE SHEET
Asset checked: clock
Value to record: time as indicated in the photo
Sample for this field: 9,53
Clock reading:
8,26
